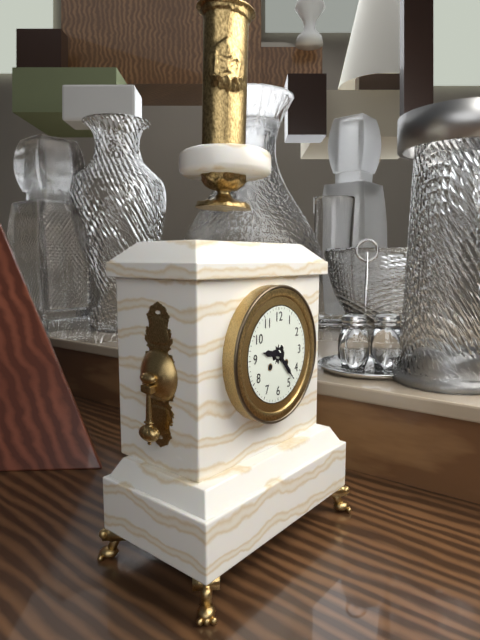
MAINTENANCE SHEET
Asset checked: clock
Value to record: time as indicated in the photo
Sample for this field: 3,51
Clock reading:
9,23
